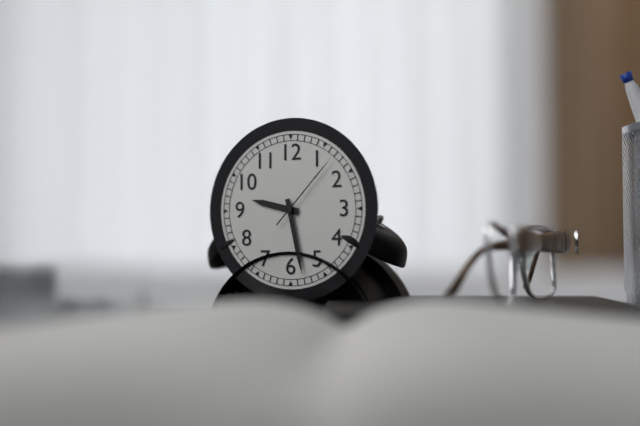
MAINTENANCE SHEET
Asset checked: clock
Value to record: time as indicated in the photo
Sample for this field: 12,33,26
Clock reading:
9,28,07
